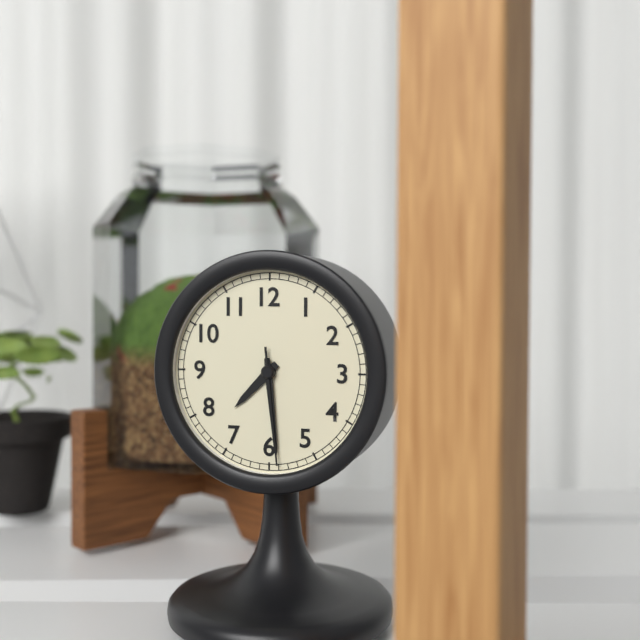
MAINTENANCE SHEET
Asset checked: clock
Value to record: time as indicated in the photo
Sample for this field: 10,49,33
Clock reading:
7,29,29
